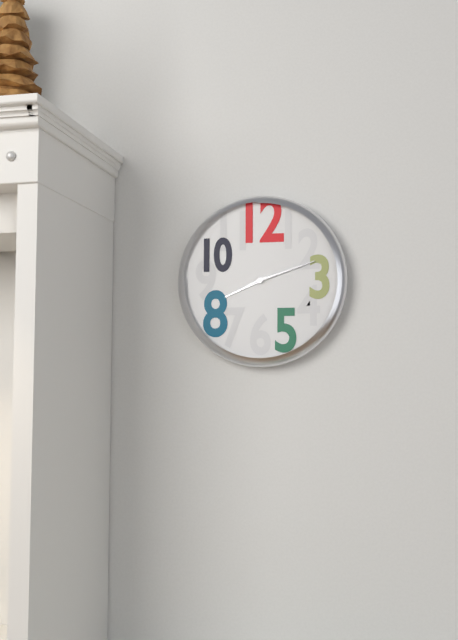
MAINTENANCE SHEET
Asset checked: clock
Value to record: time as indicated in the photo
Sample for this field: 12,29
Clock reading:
8,12
